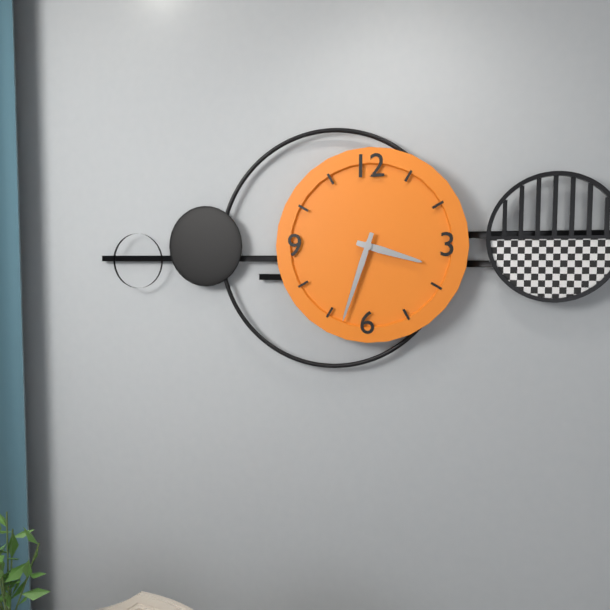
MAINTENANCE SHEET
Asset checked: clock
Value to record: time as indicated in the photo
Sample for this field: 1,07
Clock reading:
3,33
